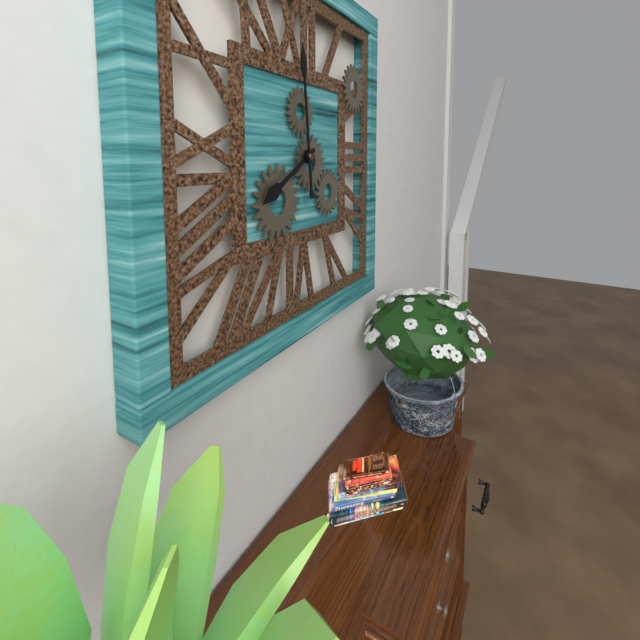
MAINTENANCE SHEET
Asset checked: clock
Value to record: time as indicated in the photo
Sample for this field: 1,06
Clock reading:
7,59
